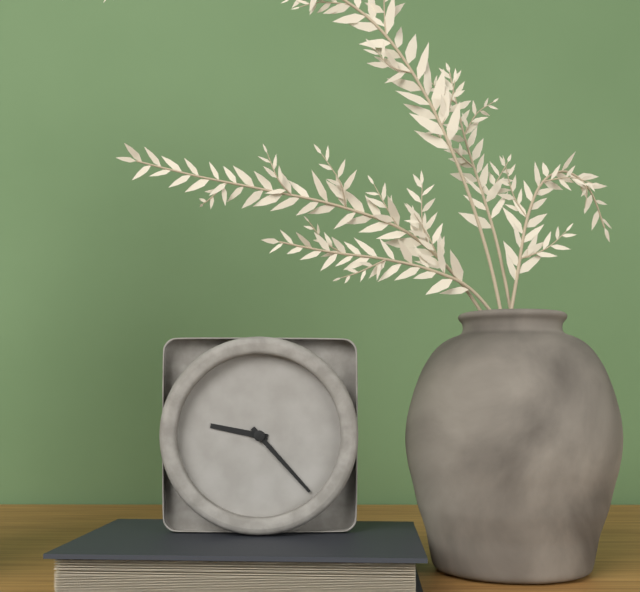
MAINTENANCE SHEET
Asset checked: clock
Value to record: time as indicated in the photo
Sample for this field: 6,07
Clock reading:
9,23
